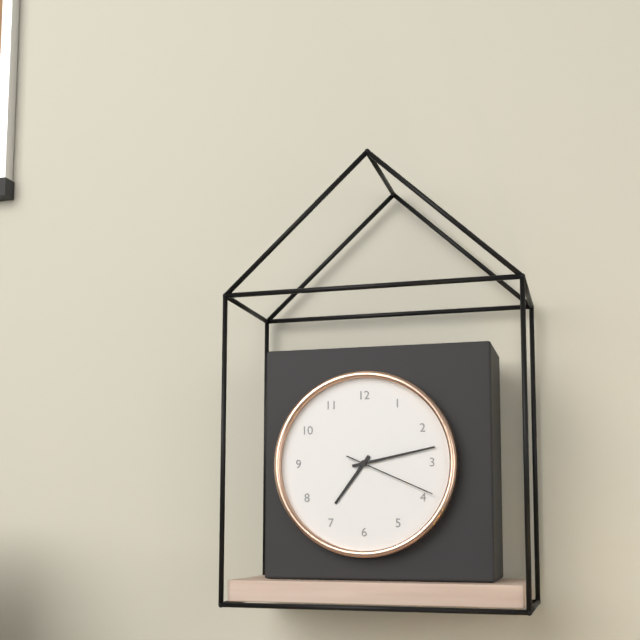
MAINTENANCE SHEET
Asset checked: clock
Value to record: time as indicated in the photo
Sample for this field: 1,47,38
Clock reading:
7,13,19
